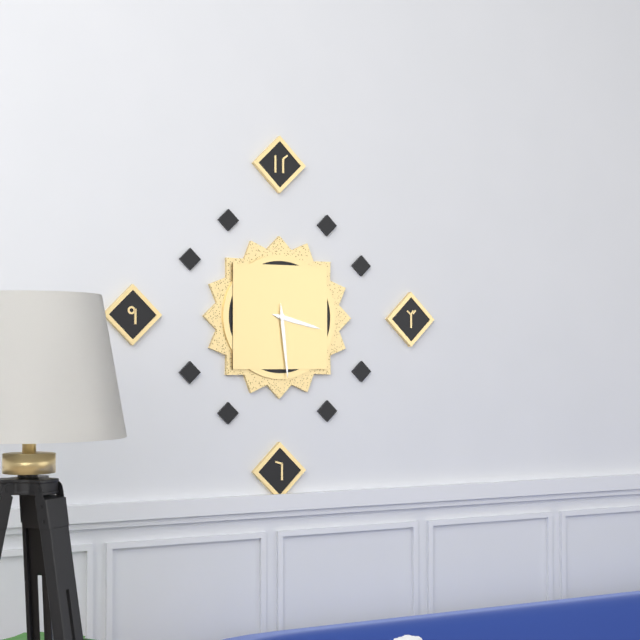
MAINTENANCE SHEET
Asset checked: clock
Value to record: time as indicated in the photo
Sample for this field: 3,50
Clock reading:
3,29
